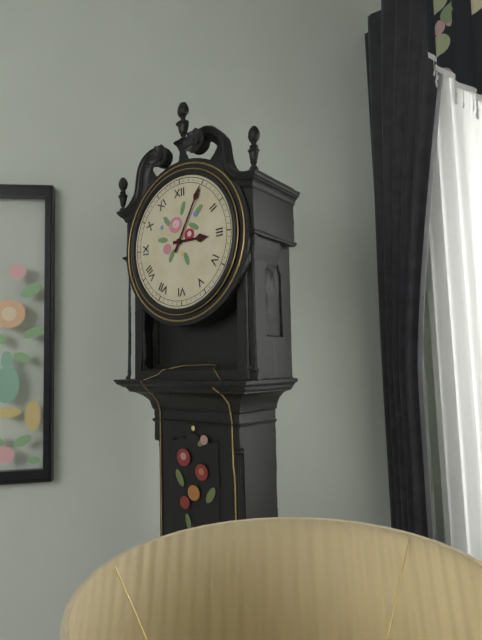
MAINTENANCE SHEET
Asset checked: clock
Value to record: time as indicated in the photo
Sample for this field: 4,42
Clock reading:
3,05
